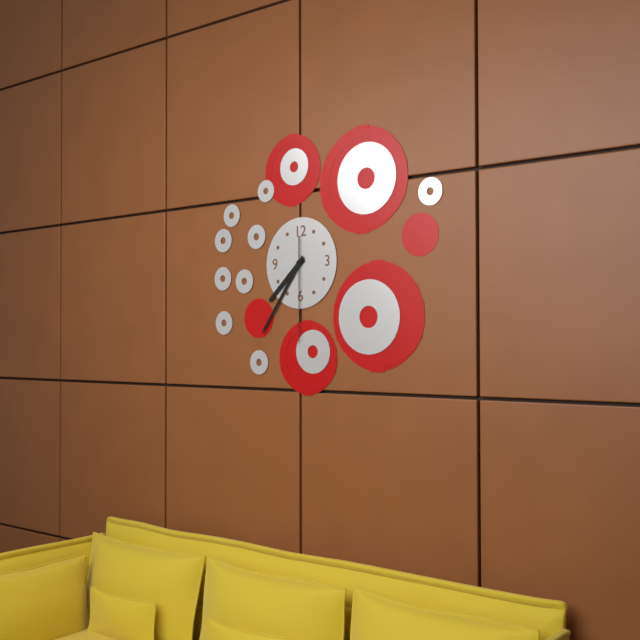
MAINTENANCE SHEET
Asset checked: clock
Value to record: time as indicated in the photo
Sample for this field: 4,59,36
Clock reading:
7,36,30
